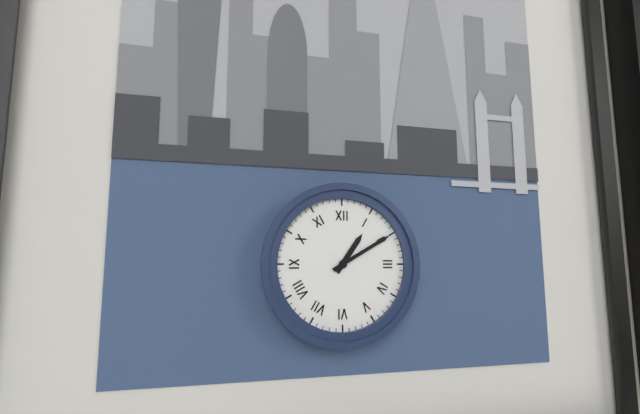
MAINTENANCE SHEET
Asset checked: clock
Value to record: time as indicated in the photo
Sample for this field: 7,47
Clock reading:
1,10
